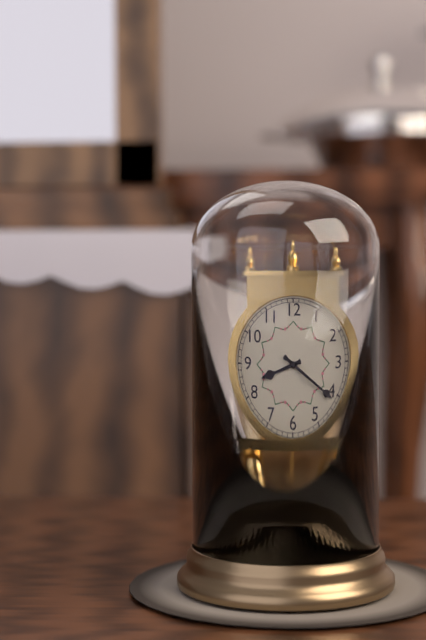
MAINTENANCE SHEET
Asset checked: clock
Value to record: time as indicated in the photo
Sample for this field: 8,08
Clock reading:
8,21
